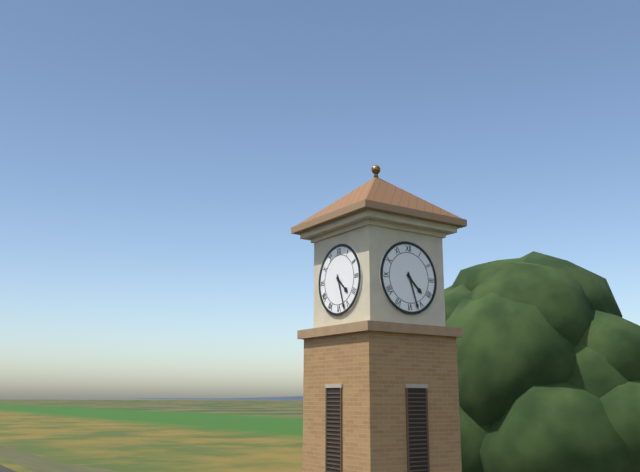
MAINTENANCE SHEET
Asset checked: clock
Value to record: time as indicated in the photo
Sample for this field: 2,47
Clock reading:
4,27
